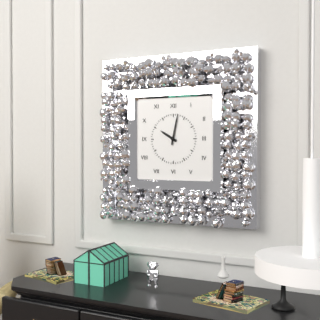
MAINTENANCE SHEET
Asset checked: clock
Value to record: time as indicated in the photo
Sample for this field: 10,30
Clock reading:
10,02
